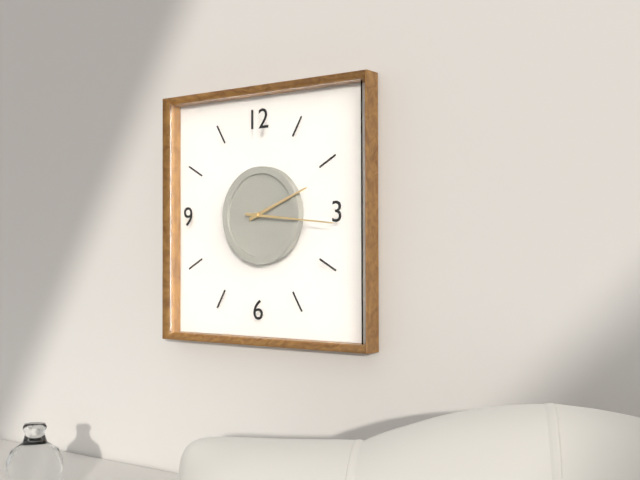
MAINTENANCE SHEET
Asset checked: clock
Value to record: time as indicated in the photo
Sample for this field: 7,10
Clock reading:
2,16
